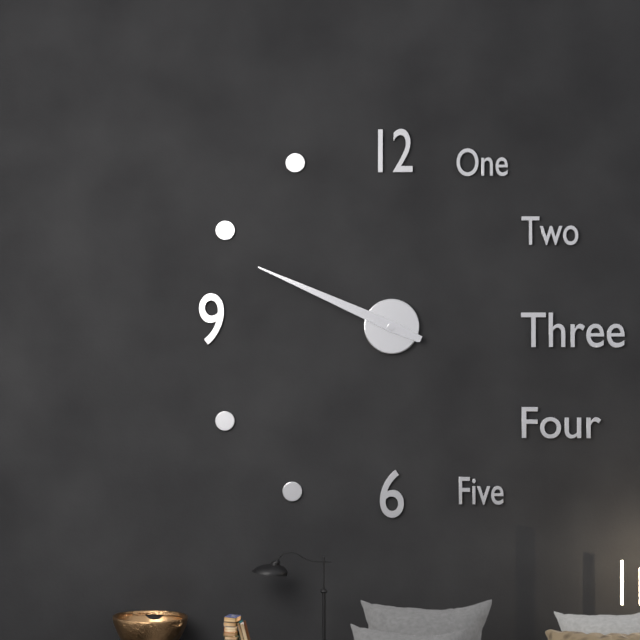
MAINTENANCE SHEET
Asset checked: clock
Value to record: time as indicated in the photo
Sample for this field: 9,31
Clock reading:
9,49
